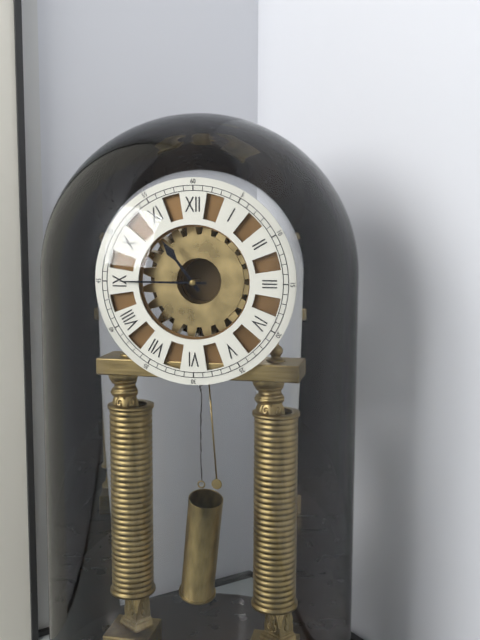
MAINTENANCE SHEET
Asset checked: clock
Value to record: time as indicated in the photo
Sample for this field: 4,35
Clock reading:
10,45
